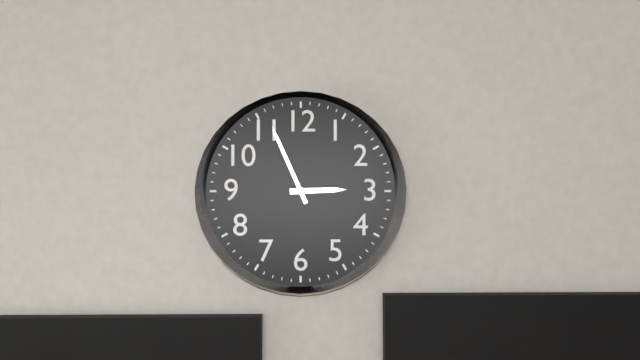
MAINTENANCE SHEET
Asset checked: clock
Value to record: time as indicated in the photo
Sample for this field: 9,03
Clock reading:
2,56
